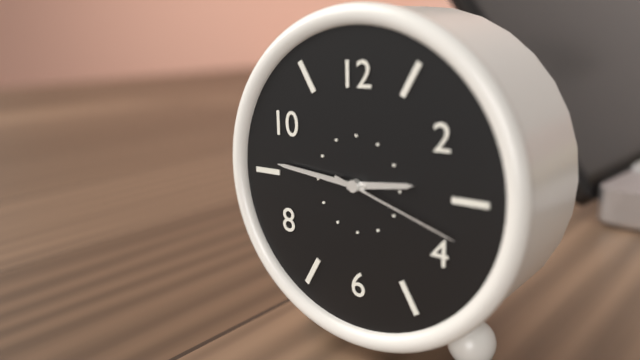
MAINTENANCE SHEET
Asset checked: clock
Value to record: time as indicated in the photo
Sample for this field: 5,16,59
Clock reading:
2,46,18
